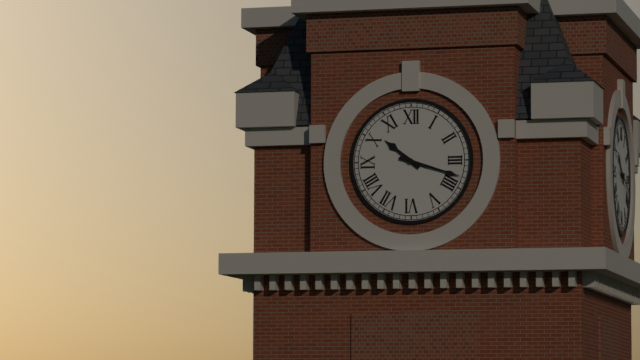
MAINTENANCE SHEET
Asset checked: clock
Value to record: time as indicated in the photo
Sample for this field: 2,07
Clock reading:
10,18
